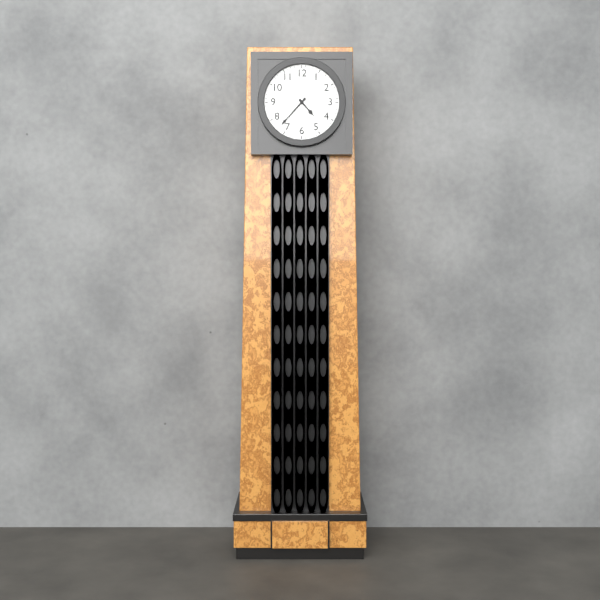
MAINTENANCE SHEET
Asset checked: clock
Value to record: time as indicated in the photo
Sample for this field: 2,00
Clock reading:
4,37
